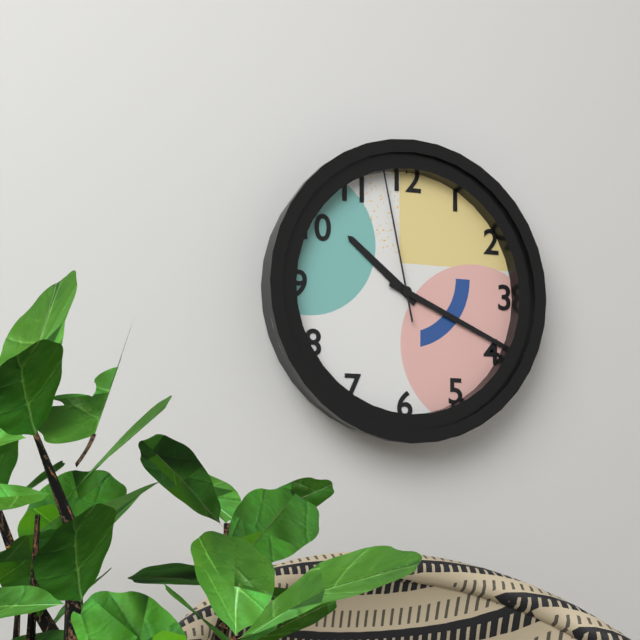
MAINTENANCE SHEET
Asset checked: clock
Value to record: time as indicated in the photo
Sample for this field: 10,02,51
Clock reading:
10,19,58
